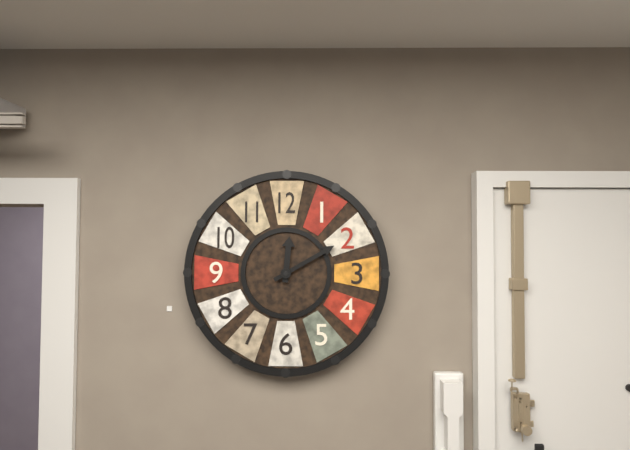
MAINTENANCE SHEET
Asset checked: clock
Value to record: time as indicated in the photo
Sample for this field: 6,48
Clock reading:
12,10
